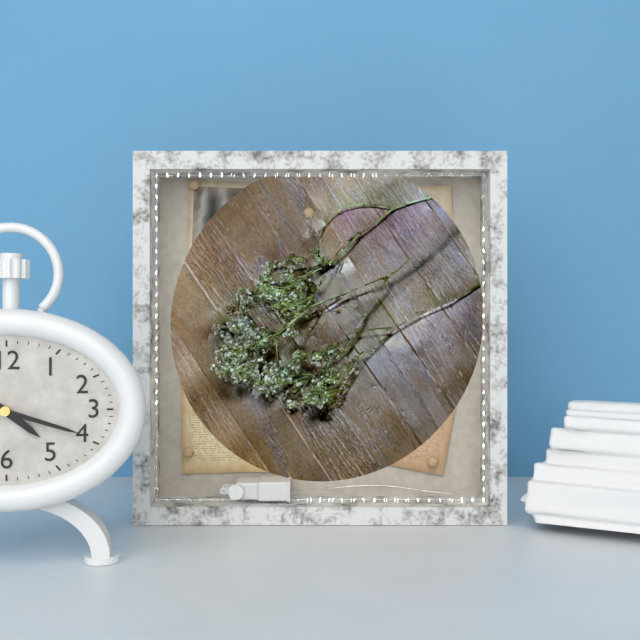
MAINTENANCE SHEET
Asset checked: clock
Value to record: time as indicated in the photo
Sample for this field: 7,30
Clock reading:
4,18
